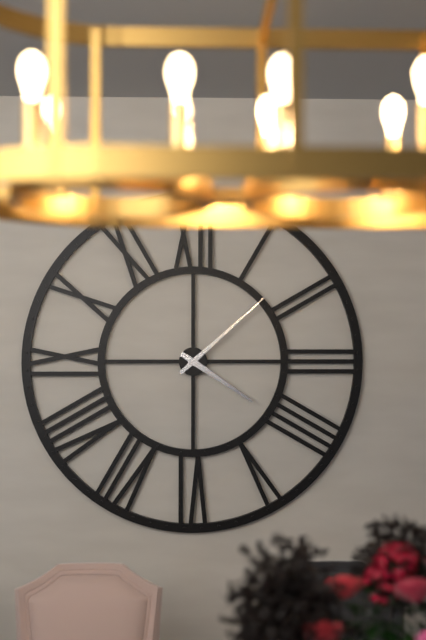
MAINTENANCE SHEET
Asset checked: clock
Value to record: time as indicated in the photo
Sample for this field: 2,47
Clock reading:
4,08
